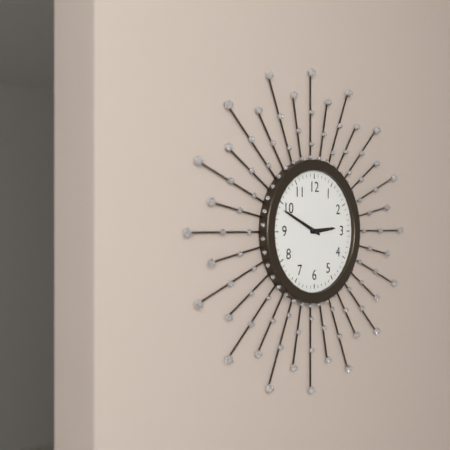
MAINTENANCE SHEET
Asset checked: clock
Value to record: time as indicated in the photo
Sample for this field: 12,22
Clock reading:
2,49
